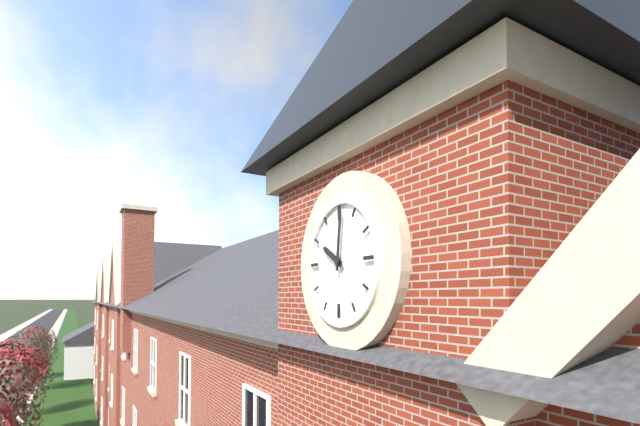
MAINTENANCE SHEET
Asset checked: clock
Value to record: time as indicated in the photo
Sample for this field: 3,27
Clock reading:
10,01
